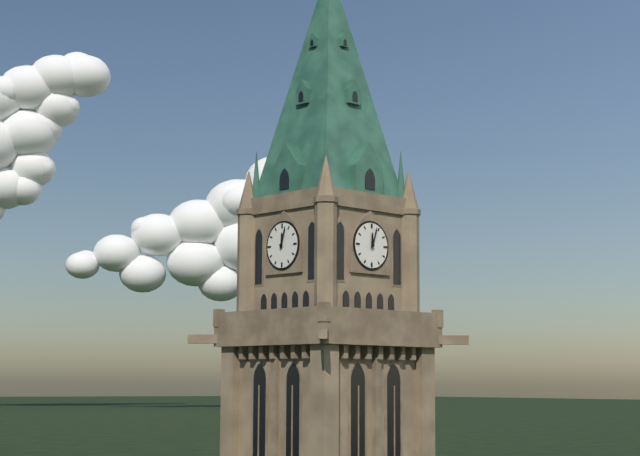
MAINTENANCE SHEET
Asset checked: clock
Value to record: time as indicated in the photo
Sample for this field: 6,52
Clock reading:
12,03
